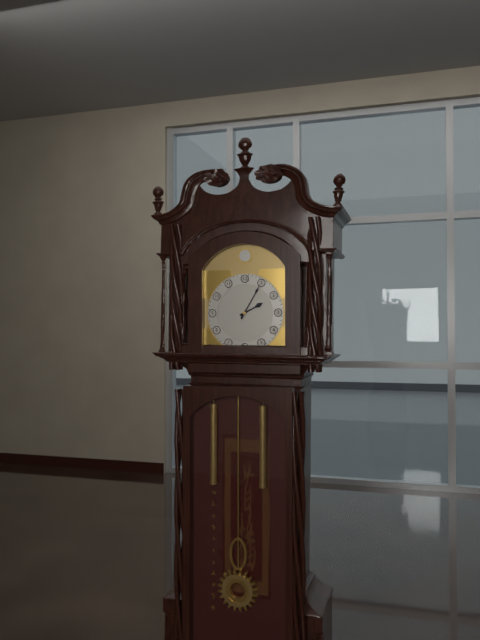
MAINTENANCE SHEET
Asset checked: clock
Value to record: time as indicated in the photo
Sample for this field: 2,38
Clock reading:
2,05
